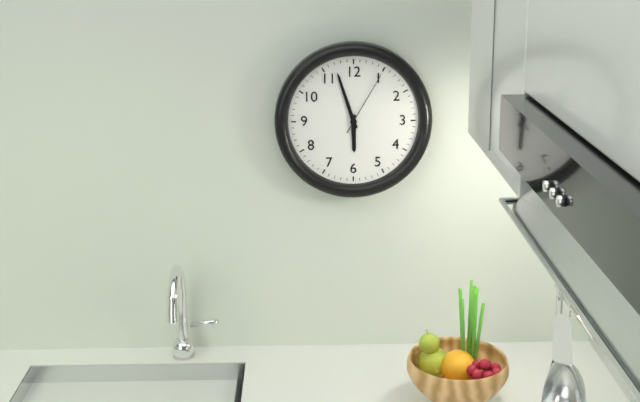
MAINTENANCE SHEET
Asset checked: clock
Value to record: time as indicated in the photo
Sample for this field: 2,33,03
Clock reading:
5,57,05
